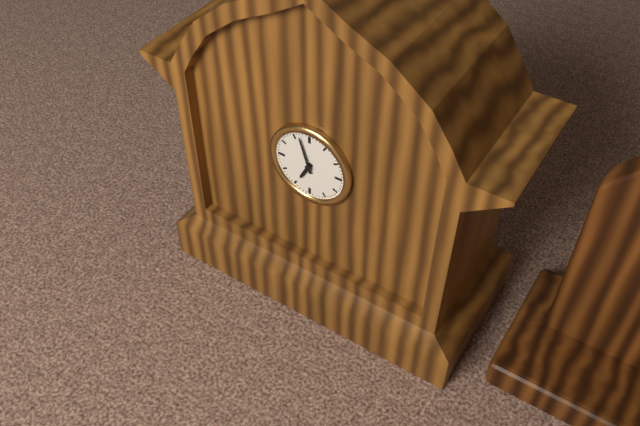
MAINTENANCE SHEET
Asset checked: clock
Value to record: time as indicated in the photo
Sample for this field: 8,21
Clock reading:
6,57
